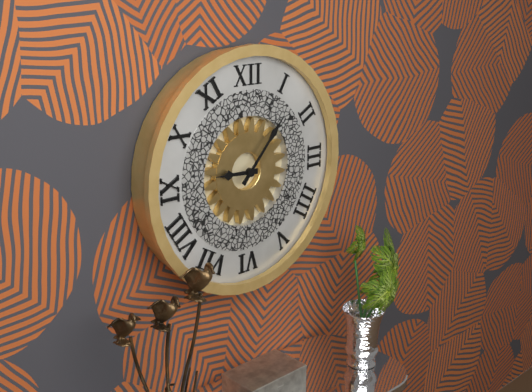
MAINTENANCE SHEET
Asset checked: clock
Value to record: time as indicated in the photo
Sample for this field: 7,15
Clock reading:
9,07
